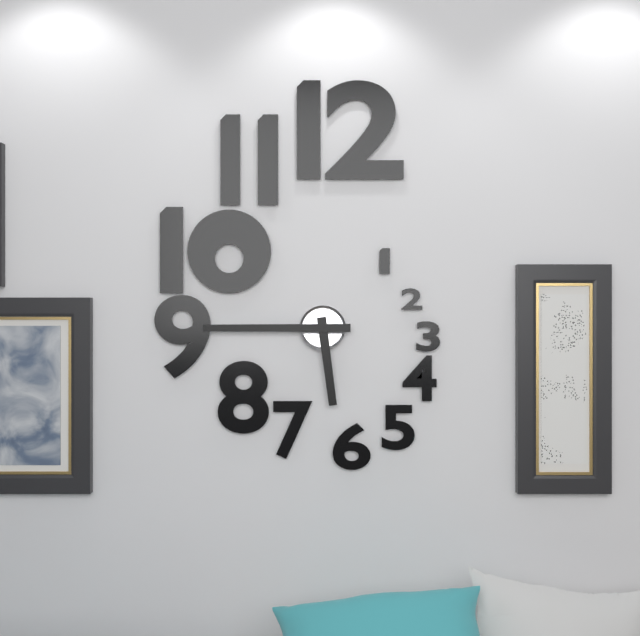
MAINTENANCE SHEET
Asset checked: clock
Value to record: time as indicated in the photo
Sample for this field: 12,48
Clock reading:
5,45
